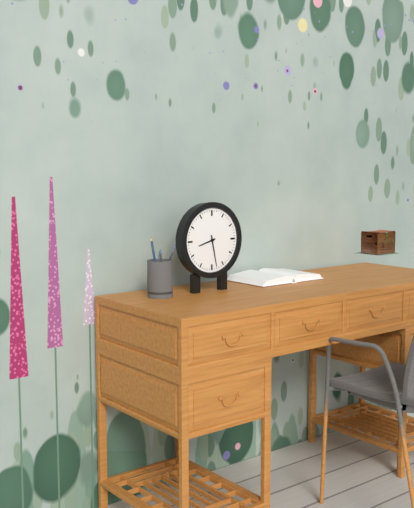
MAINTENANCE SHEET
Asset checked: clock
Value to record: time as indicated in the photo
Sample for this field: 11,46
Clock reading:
8,28
